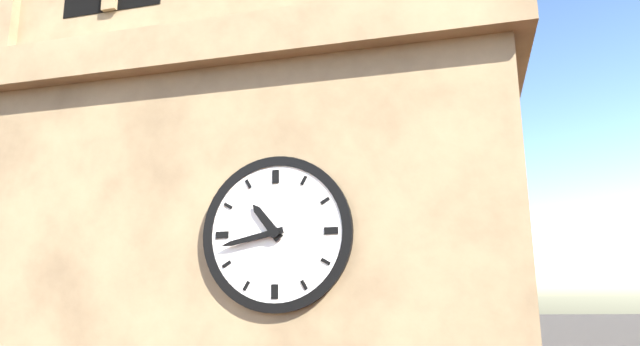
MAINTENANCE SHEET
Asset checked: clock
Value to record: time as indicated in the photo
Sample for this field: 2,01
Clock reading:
10,43
